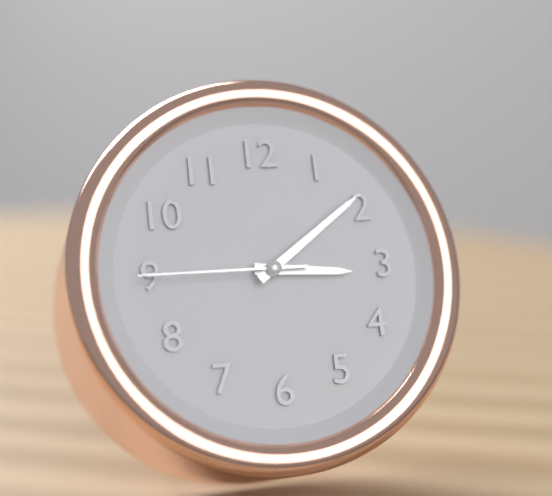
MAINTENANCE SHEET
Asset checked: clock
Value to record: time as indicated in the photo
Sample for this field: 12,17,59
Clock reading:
3,09,45
